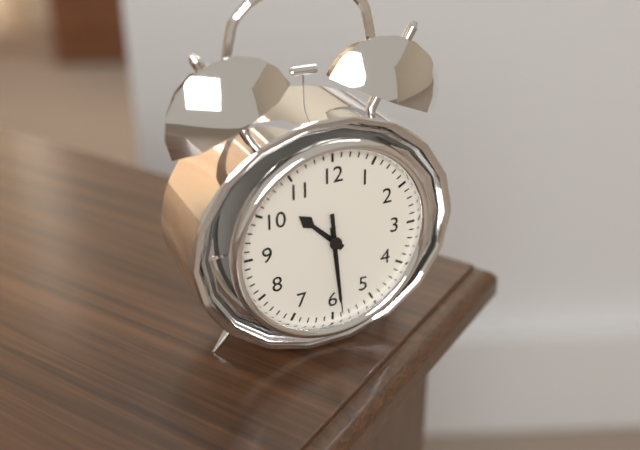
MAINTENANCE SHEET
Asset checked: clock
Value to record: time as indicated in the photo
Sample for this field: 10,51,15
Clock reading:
10,29,29
